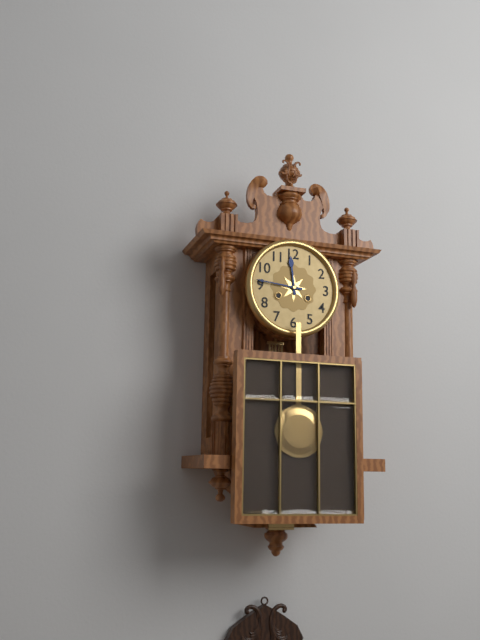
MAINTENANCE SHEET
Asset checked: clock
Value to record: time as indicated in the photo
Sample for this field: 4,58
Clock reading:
11,46
